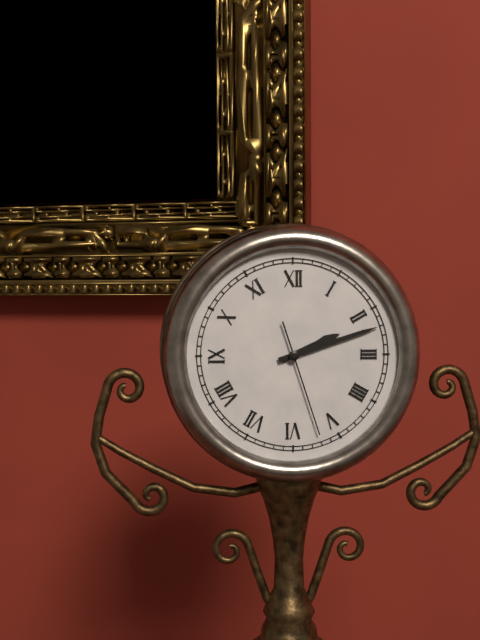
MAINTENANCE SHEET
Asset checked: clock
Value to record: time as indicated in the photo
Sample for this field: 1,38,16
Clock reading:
2,12,27
